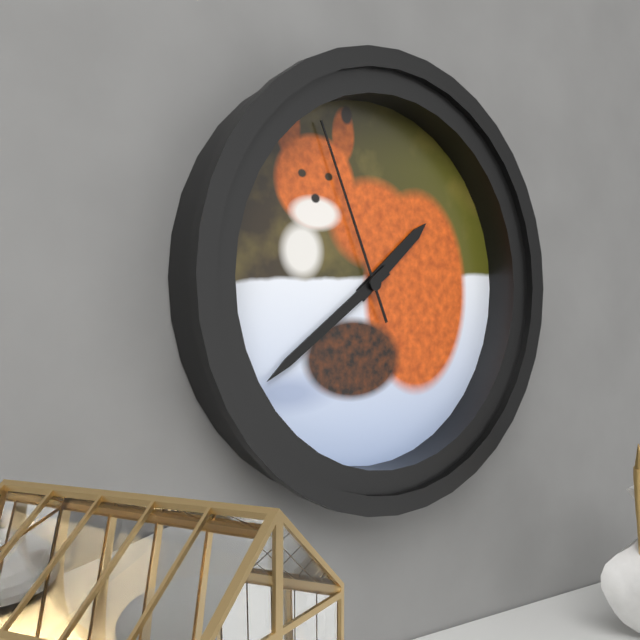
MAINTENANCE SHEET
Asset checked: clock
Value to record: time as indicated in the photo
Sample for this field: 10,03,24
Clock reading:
1,39,56
